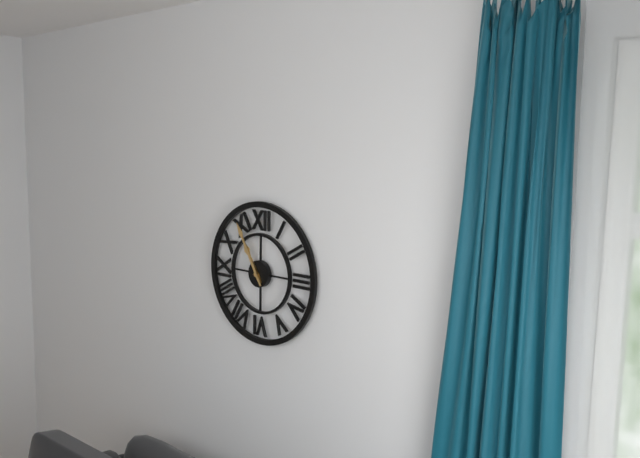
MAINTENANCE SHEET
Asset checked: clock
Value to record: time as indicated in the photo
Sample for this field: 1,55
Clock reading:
10,55
